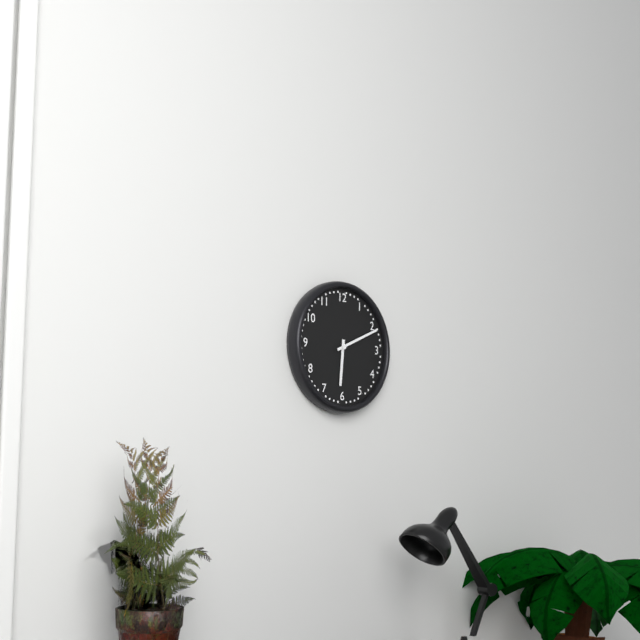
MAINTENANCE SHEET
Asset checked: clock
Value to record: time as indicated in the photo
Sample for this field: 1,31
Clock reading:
6,11
